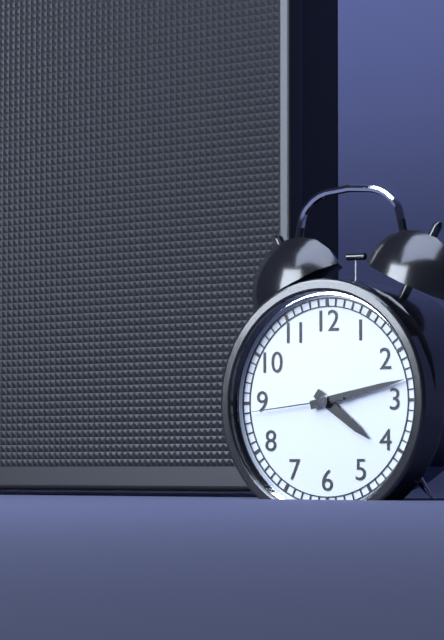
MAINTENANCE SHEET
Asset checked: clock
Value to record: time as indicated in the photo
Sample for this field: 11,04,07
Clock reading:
4,13,44
